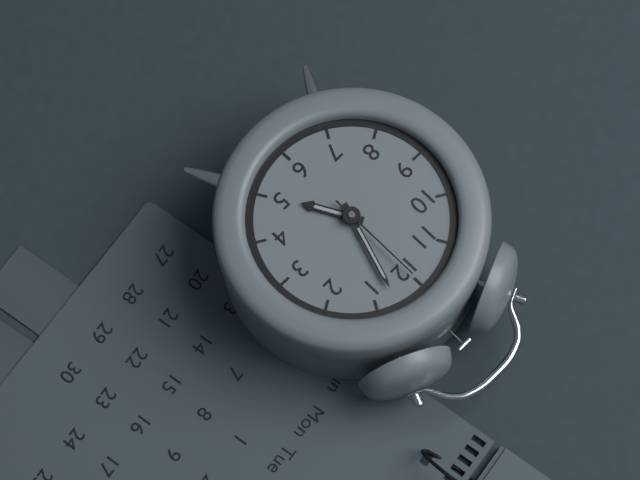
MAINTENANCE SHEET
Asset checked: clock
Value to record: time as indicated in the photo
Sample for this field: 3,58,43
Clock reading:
5,03,00
